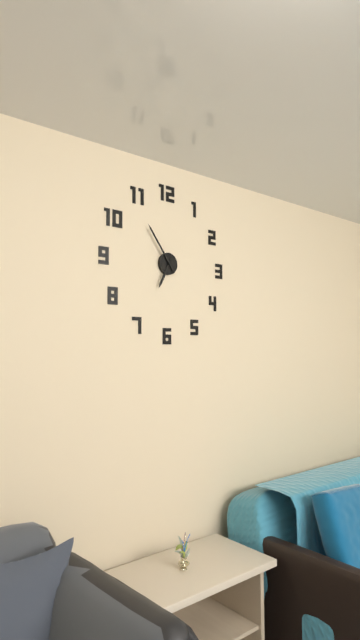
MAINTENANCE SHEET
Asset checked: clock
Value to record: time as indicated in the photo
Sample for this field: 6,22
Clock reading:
6,54
